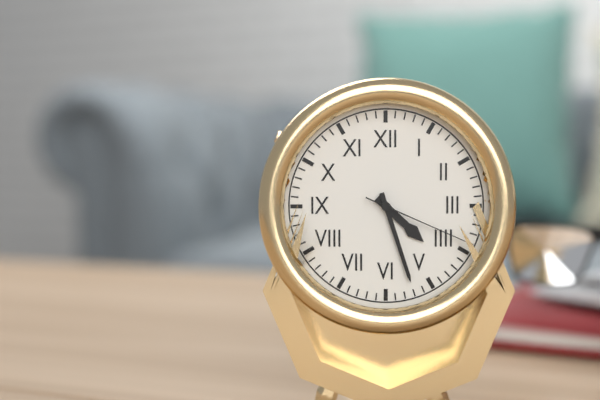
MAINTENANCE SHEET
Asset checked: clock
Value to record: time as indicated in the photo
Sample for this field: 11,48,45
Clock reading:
4,27,19
